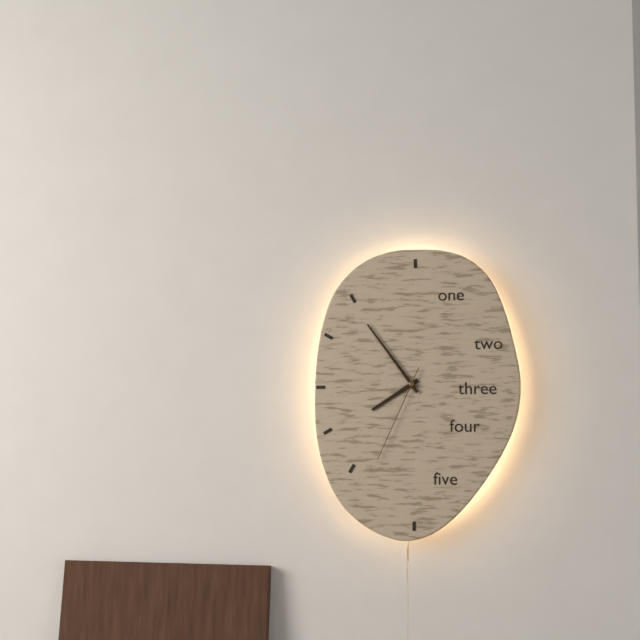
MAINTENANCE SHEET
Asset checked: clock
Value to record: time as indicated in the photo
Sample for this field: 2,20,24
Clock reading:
7,54,34
